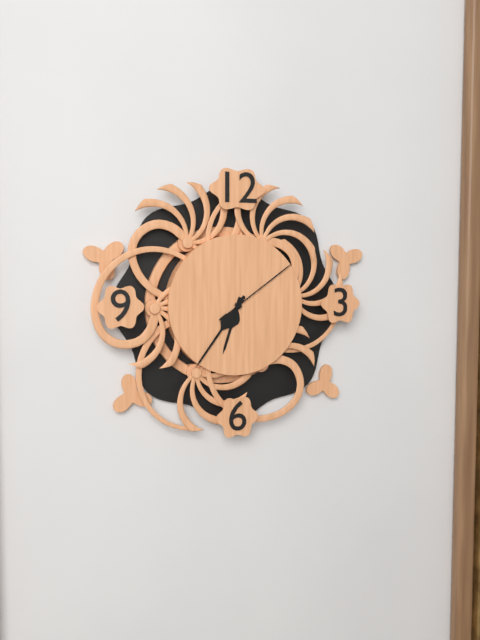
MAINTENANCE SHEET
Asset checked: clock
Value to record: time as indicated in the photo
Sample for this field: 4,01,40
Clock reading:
6,36,09
